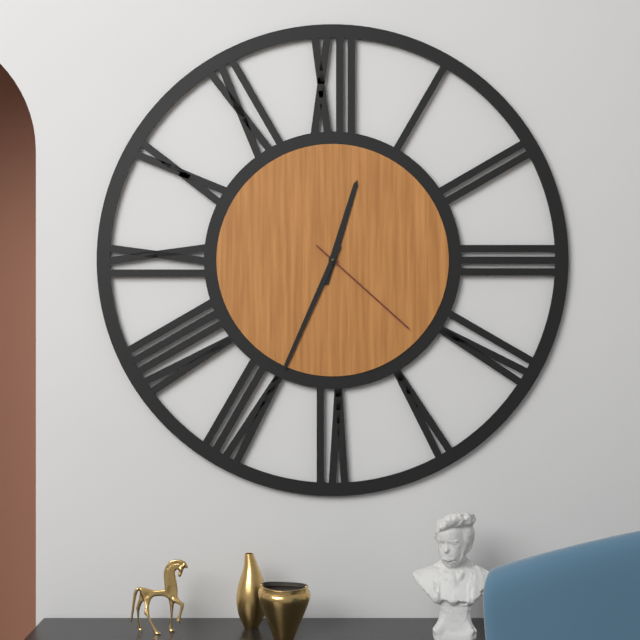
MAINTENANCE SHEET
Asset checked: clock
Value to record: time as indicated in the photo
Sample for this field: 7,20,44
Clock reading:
12,34,22
